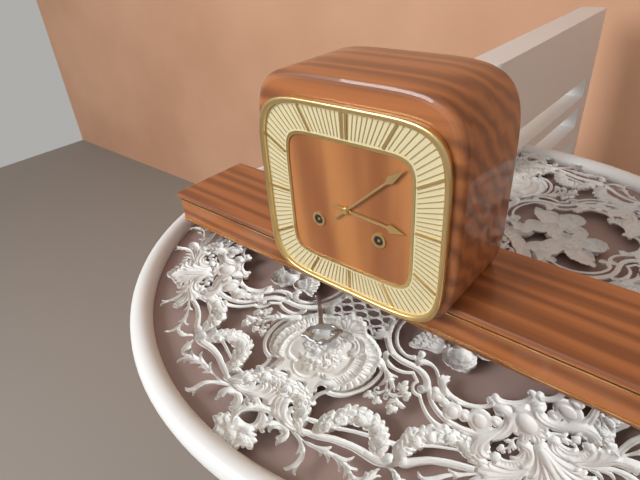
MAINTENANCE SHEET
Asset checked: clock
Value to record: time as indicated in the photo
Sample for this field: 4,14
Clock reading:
3,08
